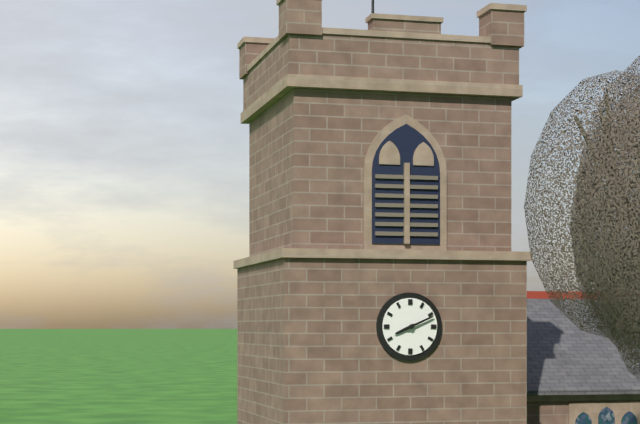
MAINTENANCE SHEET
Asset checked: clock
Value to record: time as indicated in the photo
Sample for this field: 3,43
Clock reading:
8,11
